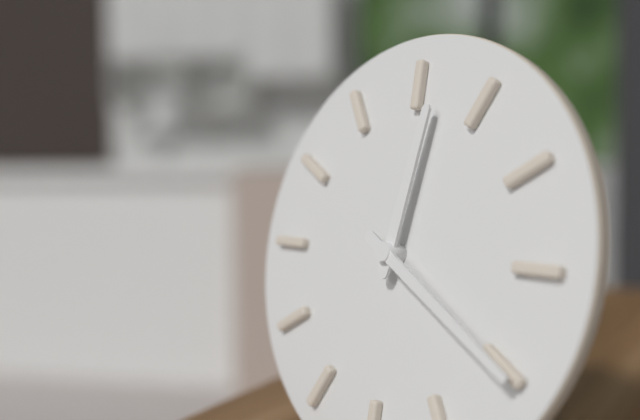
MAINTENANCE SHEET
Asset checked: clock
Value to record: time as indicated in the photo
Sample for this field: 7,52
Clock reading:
12,20
